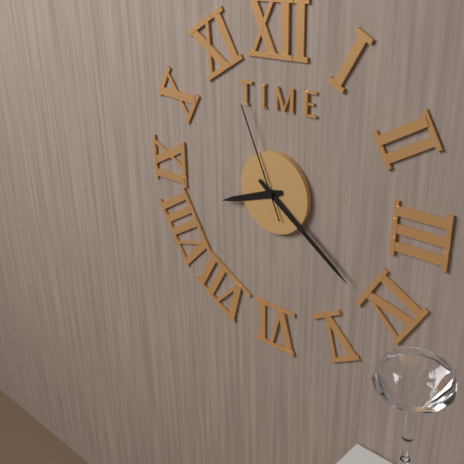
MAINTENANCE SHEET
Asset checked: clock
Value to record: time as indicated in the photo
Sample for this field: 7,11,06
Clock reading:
8,21,56
